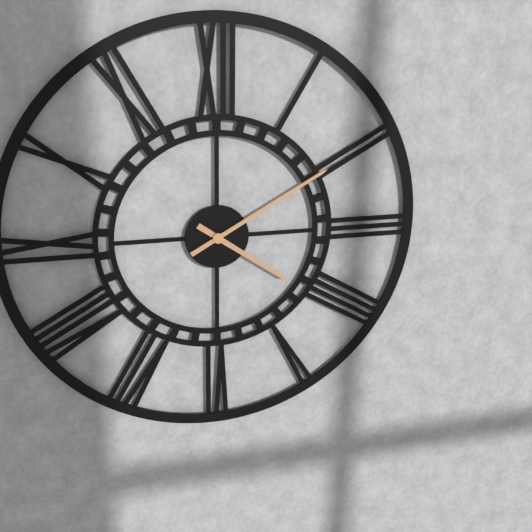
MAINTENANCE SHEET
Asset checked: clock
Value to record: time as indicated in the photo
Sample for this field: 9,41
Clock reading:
4,10
